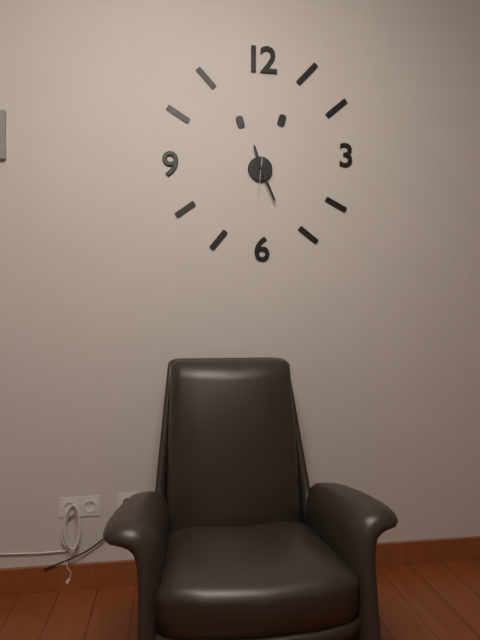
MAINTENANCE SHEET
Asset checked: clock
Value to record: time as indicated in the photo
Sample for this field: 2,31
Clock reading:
11,26
